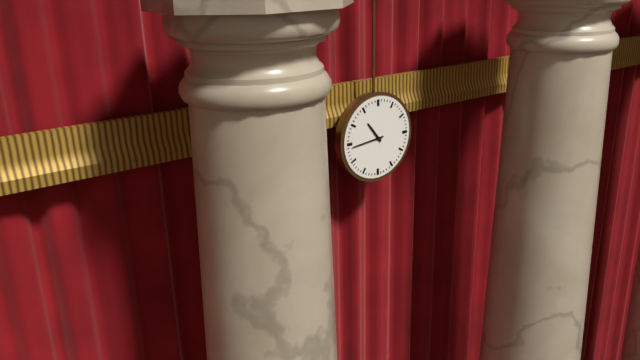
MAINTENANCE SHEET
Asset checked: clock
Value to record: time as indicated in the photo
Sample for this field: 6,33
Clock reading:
10,44
